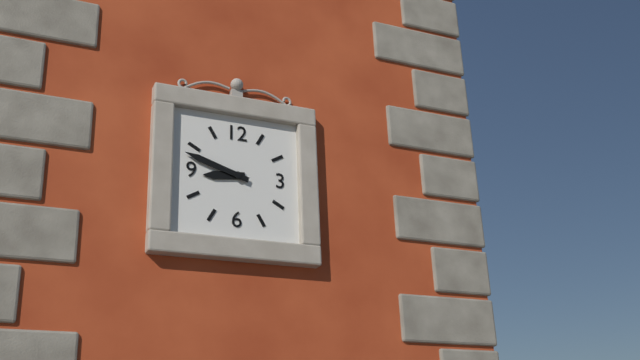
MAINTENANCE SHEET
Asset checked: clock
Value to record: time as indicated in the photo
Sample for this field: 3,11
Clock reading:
8,48
